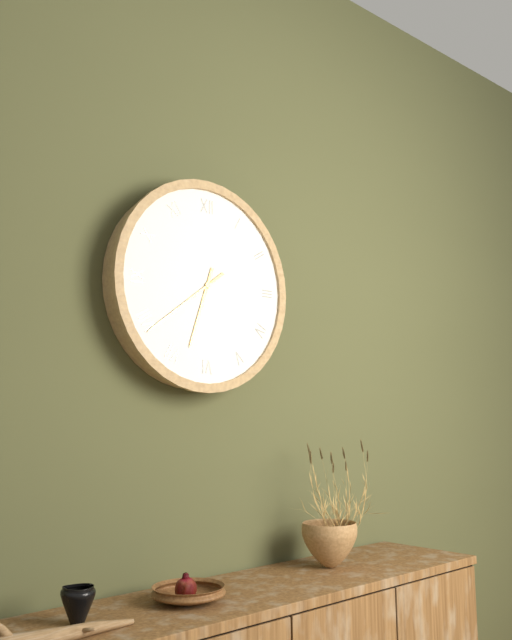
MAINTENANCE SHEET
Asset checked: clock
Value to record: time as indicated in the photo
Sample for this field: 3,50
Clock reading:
6,39
